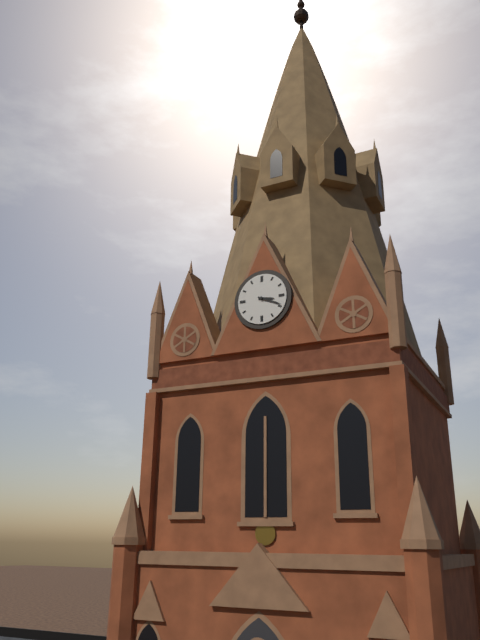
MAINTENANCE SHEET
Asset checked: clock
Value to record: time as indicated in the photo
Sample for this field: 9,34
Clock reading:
3,19
